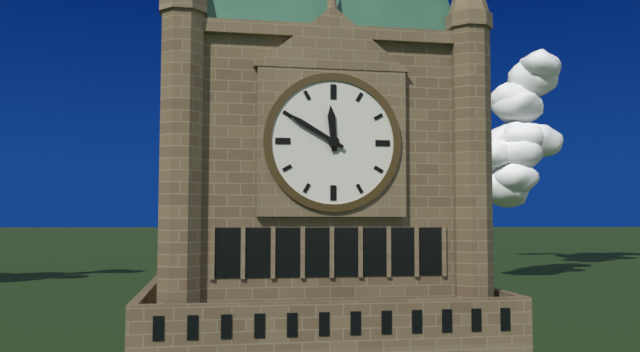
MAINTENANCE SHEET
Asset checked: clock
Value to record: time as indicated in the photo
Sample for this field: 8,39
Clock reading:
11,50
